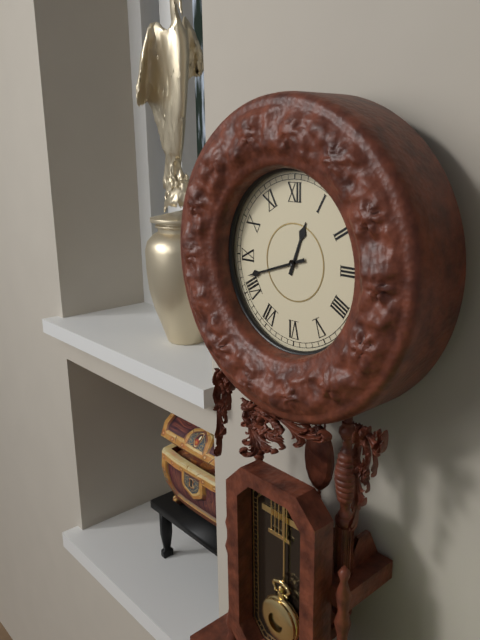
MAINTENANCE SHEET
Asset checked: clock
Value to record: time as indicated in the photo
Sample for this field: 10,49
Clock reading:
12,42
